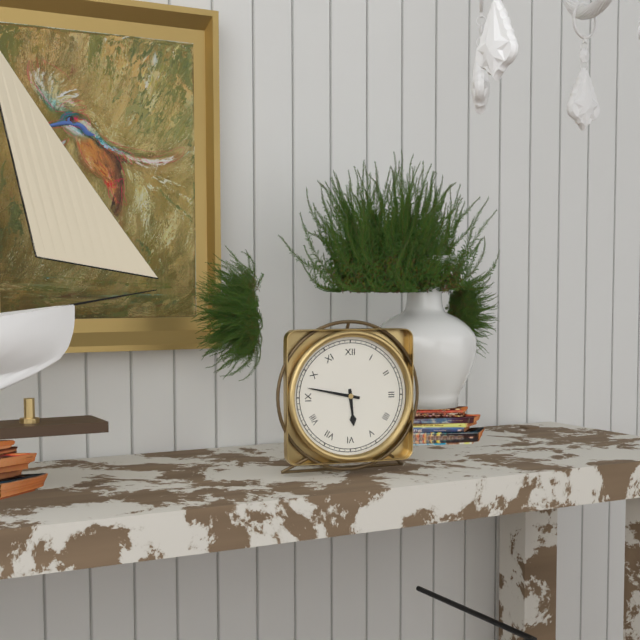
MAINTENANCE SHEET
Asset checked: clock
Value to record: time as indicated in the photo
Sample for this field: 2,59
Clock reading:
5,47
